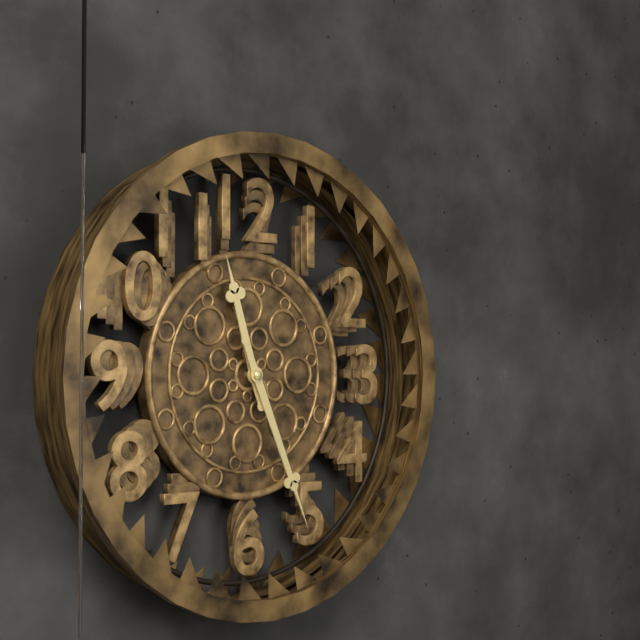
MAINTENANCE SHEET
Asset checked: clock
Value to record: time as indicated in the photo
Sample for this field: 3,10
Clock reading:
11,26
